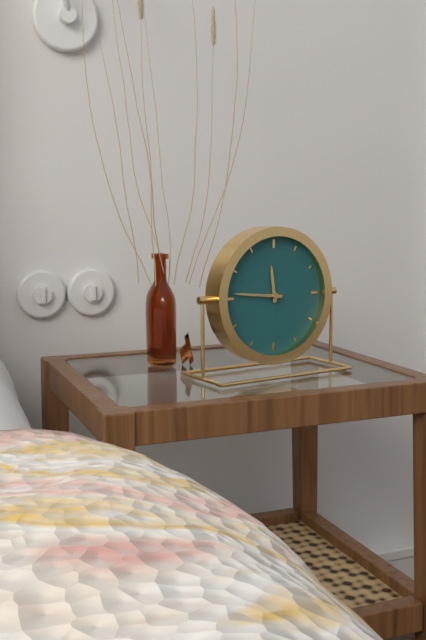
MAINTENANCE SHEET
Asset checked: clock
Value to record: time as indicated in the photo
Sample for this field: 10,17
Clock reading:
11,46
